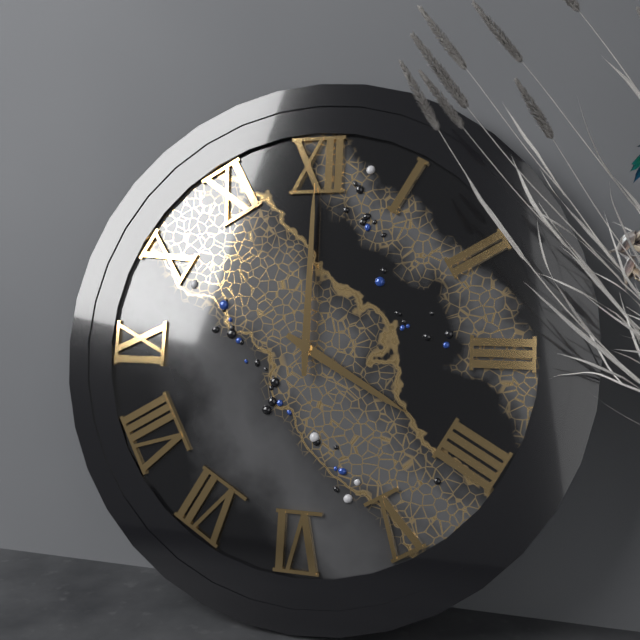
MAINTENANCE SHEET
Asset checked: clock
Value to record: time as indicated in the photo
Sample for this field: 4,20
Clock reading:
4,00
